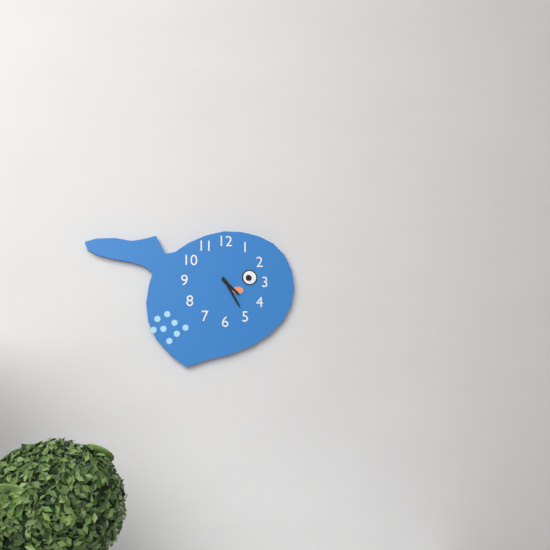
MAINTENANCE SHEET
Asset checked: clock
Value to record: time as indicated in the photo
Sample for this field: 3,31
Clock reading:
4,25
